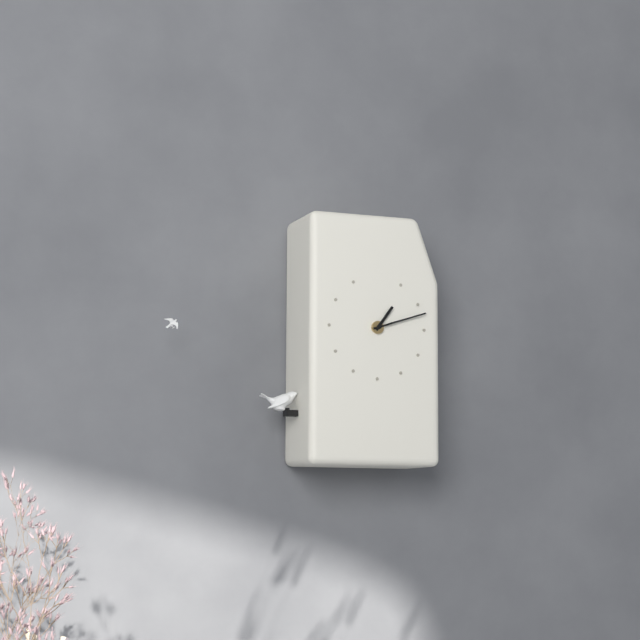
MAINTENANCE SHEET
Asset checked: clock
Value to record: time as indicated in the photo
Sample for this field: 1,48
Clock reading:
1,12
